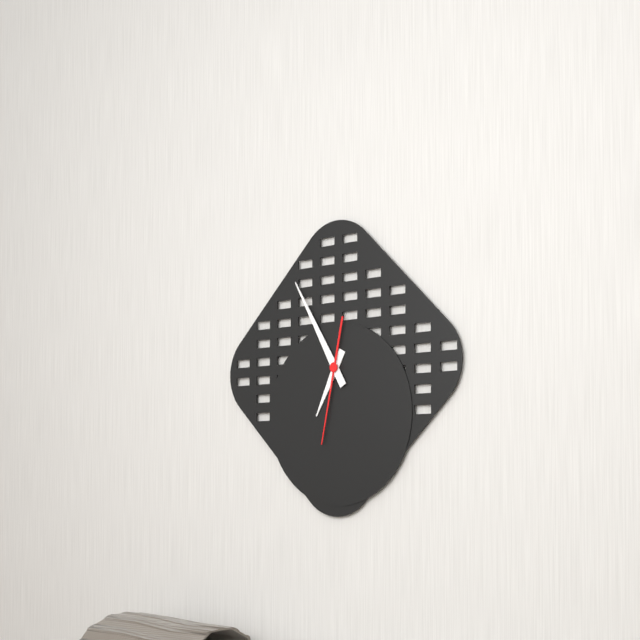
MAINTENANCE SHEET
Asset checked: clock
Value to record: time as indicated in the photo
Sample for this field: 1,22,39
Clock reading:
6,55,32
